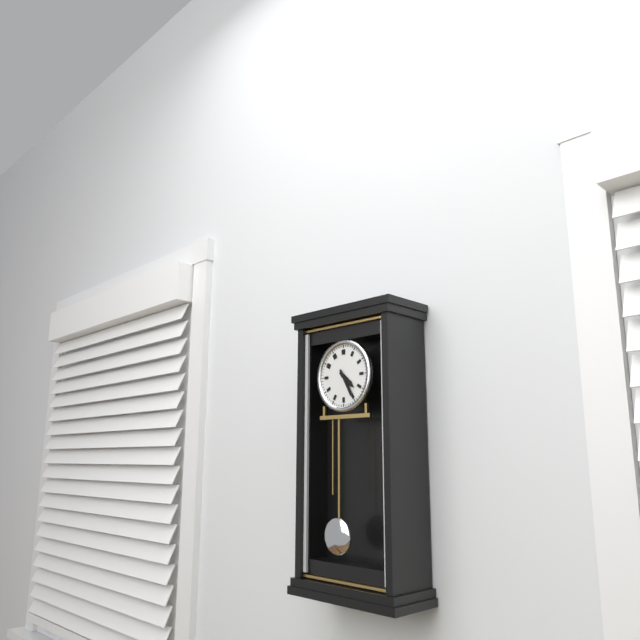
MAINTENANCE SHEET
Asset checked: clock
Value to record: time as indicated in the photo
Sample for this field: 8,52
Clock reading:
4,25
